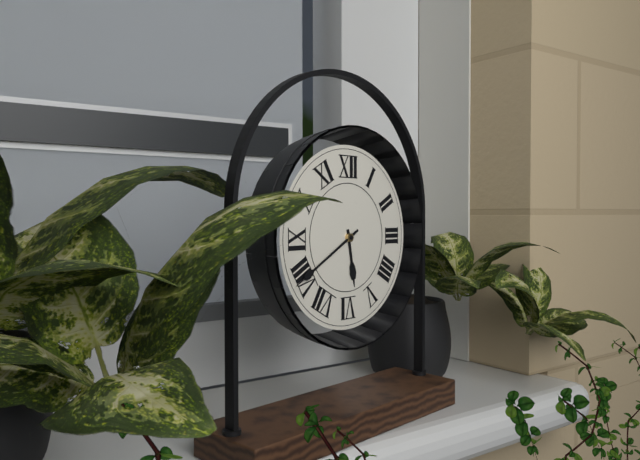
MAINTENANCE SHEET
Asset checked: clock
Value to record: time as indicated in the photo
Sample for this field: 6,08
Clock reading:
5,40
